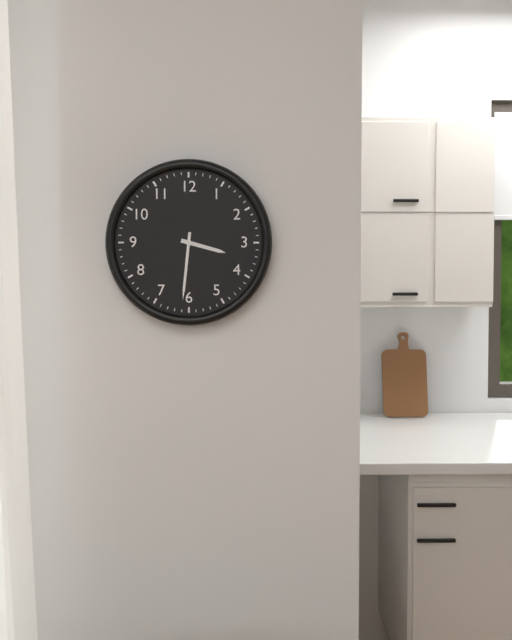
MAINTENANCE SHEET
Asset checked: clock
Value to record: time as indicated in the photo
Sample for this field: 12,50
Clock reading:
3,31
